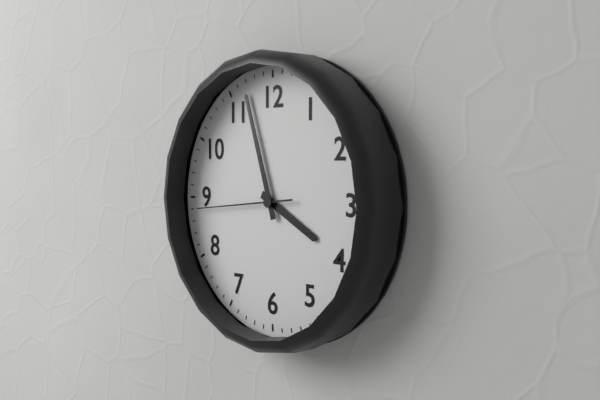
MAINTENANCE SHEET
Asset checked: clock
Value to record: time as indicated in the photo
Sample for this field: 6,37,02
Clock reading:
3,57,44
